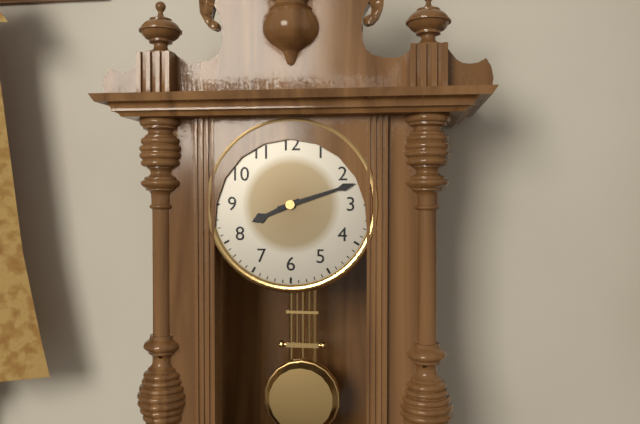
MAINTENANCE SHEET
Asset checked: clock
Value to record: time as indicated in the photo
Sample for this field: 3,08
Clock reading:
8,12
